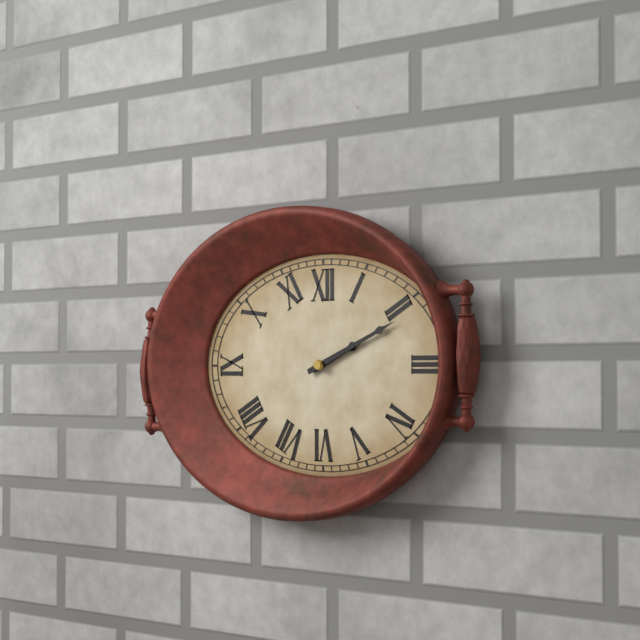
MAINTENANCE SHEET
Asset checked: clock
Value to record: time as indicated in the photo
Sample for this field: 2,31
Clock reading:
2,11
